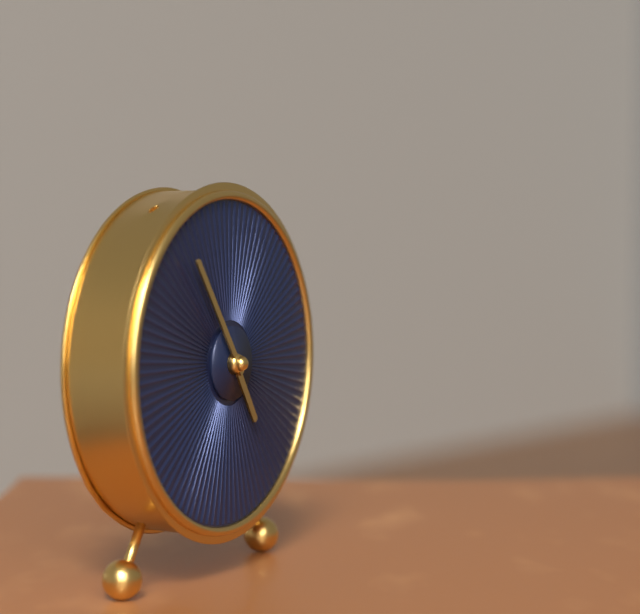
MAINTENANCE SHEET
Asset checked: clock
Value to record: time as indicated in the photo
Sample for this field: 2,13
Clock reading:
4,54
